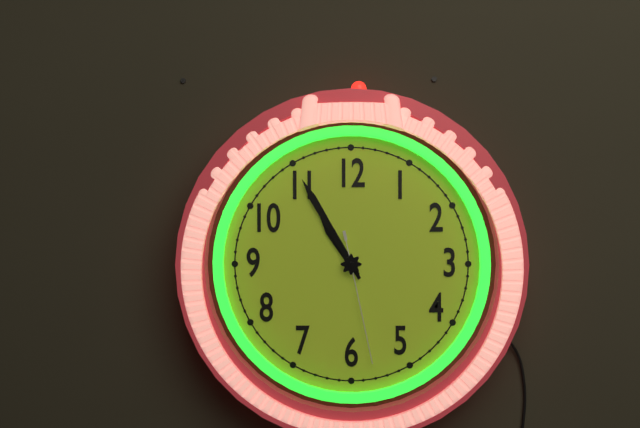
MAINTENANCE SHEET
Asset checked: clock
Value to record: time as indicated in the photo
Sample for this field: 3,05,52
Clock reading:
10,55,28
